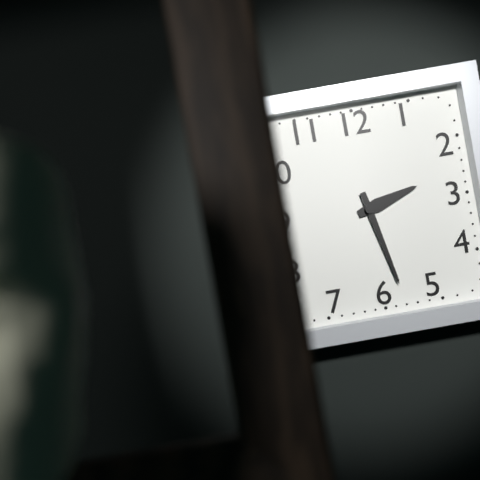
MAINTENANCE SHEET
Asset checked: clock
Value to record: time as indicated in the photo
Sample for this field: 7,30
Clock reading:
2,28
